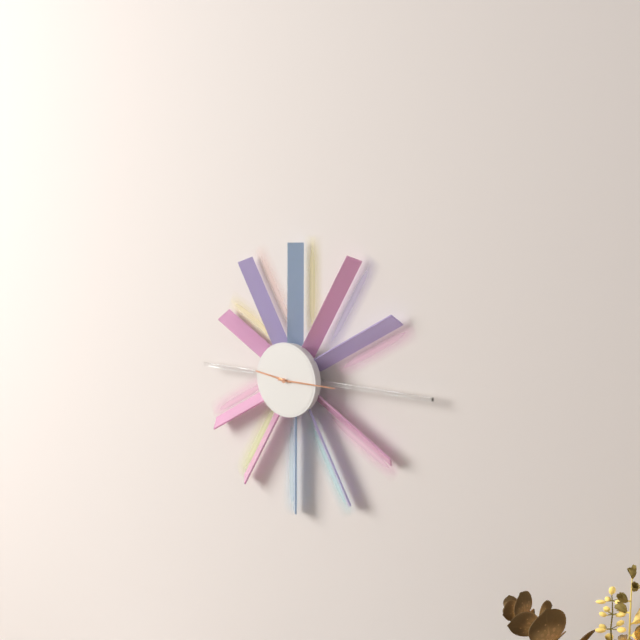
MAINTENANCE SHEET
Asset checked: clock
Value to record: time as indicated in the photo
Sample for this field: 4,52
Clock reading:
9,15
